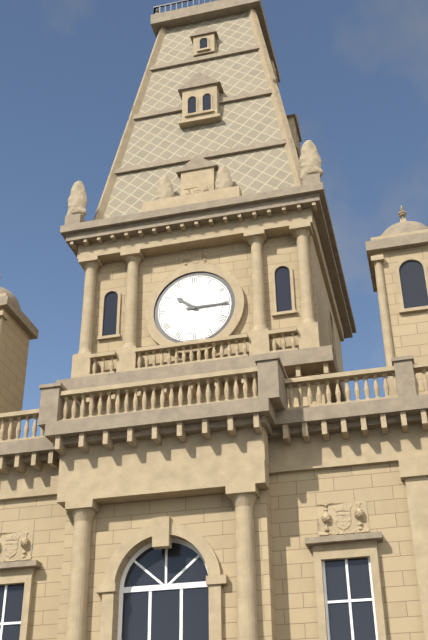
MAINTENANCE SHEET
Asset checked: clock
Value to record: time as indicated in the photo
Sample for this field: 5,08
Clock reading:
10,15
